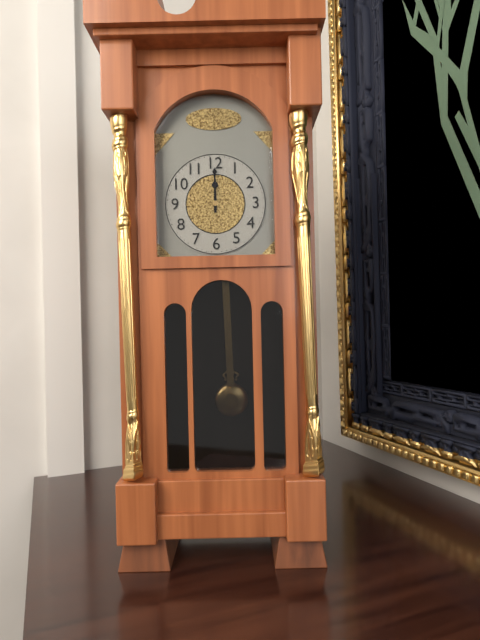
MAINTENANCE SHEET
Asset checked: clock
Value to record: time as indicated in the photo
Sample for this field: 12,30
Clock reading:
12,00
